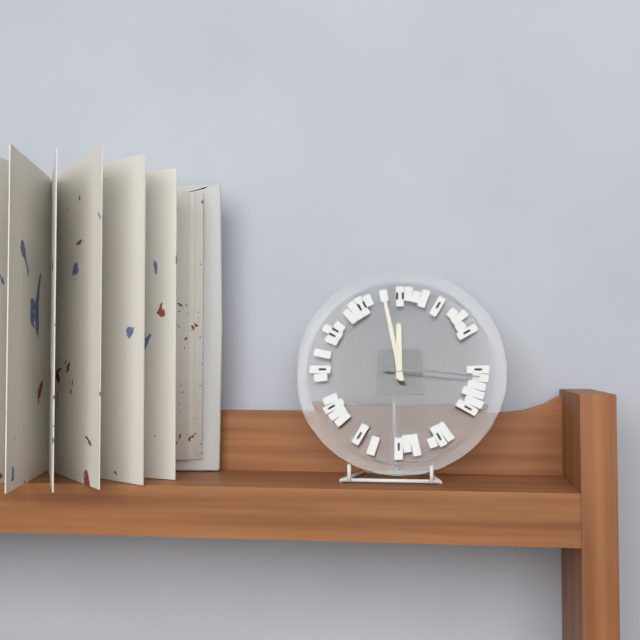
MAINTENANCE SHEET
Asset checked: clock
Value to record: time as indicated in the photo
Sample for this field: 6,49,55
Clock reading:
11,58,16
